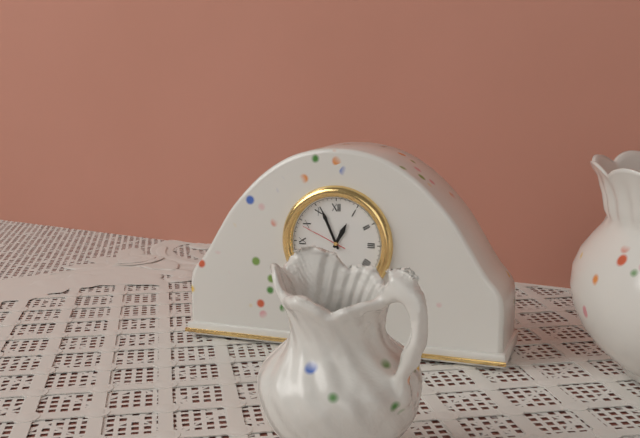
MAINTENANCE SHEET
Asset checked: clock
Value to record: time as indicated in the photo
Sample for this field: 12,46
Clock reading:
12,56
